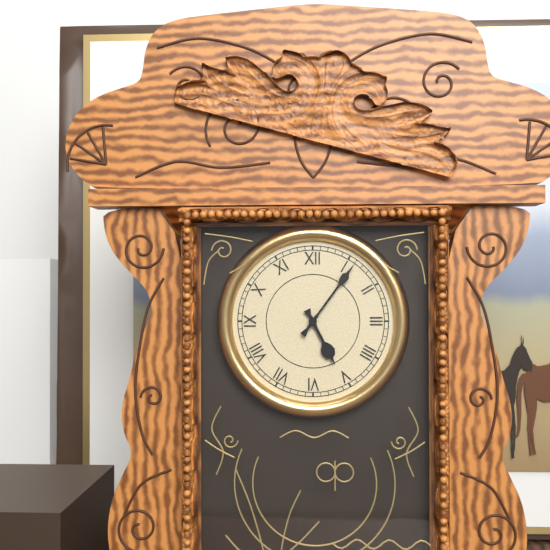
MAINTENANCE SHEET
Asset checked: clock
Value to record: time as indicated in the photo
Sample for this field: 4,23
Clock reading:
5,06
